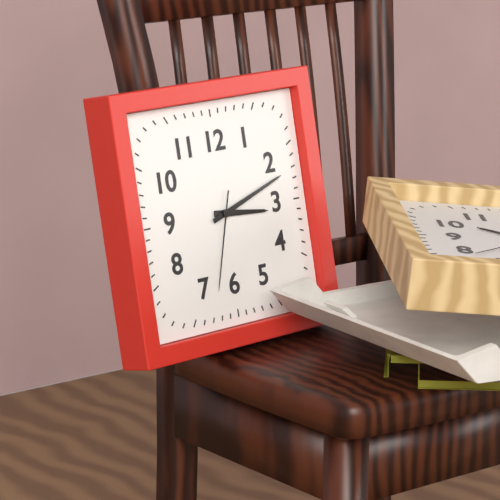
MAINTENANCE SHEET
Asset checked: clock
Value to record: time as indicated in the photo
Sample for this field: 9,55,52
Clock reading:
3,12,33
